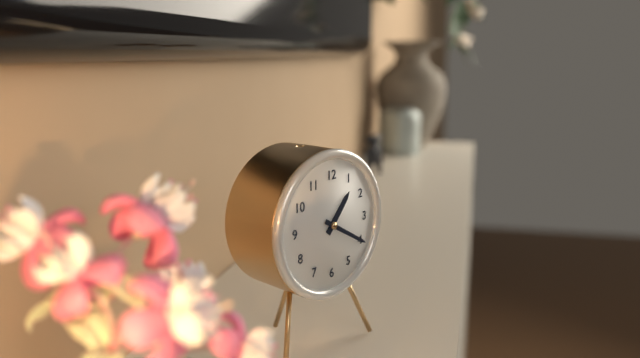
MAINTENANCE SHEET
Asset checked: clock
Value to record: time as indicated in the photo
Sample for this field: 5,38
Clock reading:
1,20
